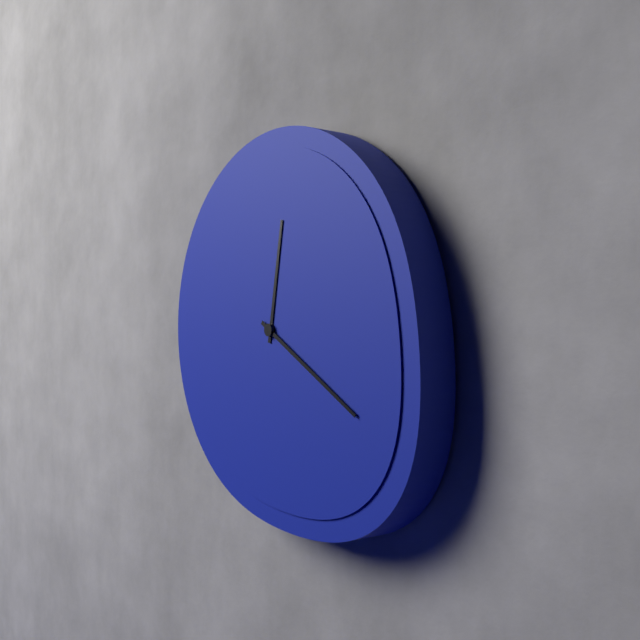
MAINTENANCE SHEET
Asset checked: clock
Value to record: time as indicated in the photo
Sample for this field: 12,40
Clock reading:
12,20
